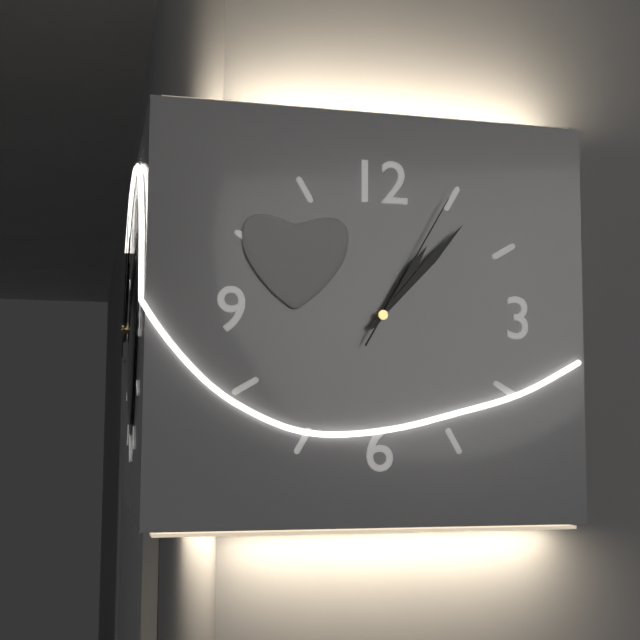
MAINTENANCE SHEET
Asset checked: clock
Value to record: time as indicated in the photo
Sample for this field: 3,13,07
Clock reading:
1,07,05
